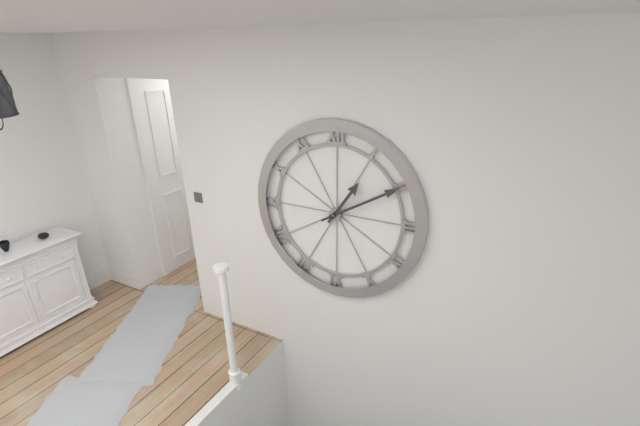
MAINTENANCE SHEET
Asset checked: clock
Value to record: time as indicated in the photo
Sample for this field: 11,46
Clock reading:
1,10
